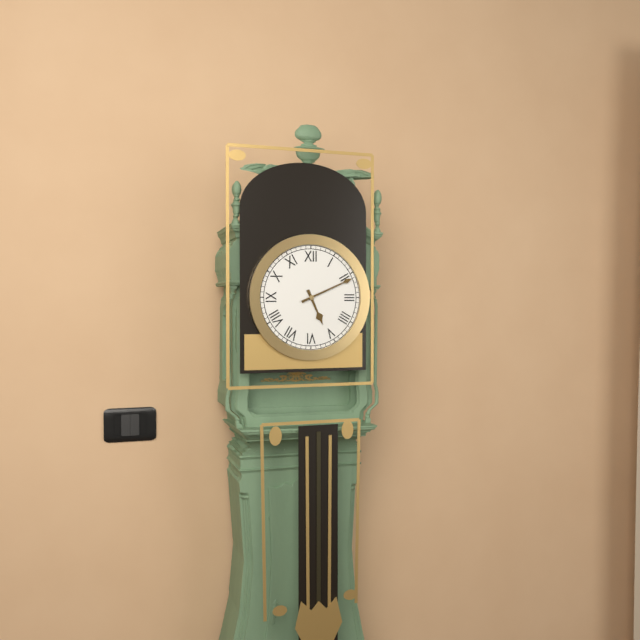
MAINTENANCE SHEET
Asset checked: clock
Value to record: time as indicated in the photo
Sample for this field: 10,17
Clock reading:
5,11
